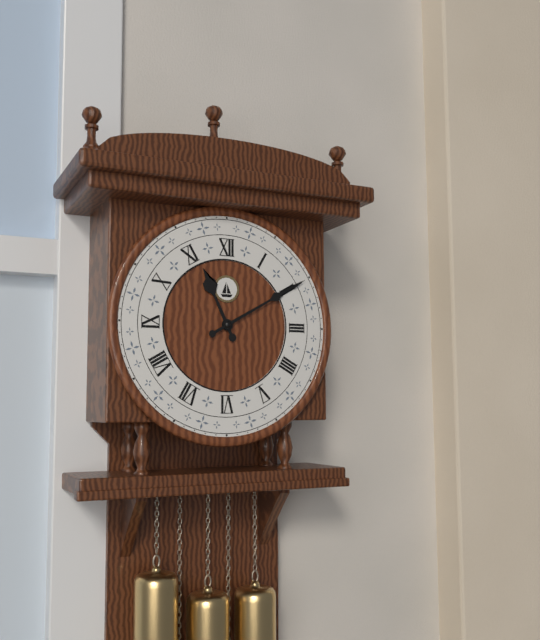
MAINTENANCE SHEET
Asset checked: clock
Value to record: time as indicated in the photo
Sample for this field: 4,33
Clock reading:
11,10
